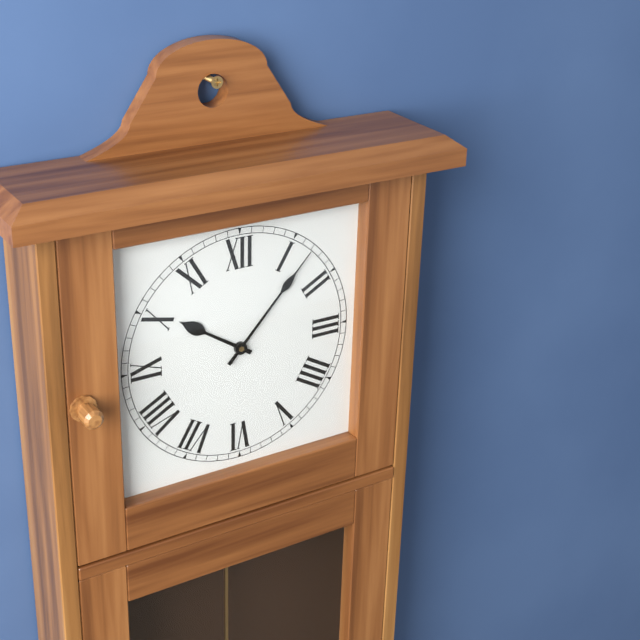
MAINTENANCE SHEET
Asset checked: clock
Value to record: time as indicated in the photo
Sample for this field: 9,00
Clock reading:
10,07
